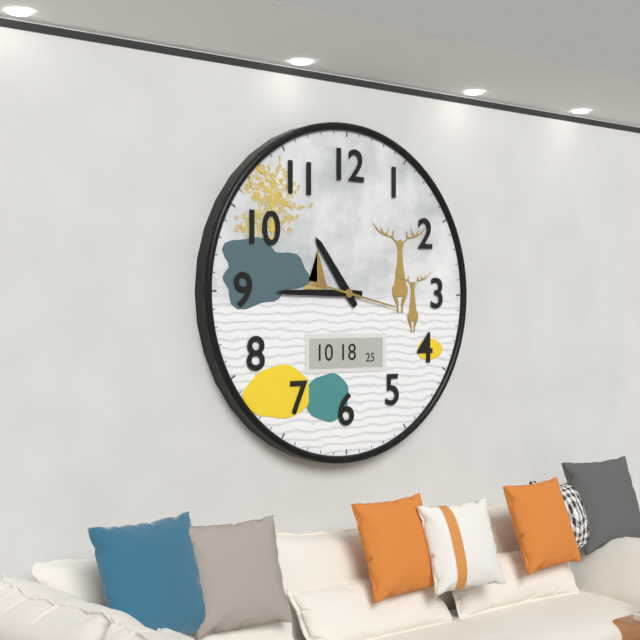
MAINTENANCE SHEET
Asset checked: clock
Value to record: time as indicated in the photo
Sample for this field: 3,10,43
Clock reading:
10,45,17
